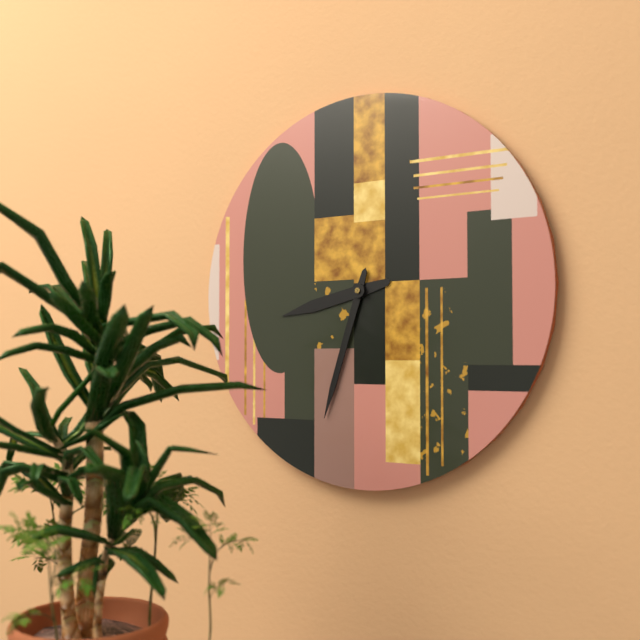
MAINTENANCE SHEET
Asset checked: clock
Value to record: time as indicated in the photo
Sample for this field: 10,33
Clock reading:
8,33
